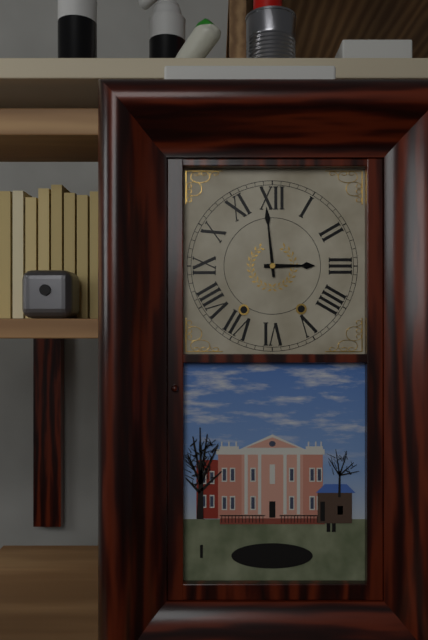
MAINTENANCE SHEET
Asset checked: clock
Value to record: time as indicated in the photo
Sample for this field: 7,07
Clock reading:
2,59
